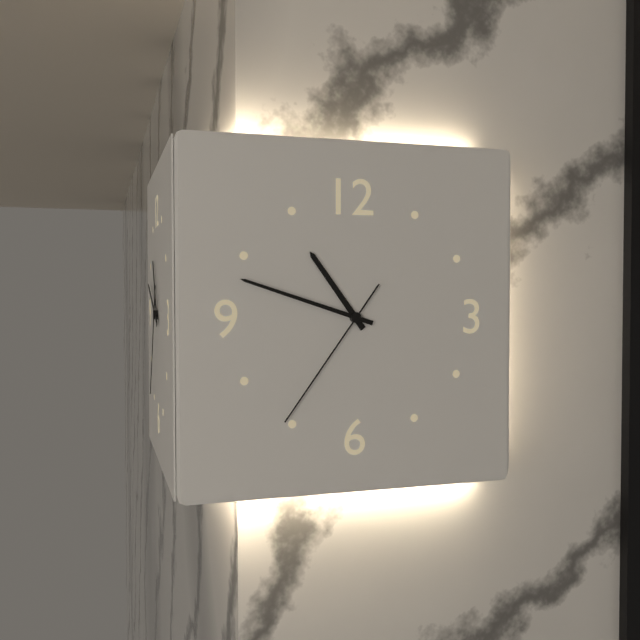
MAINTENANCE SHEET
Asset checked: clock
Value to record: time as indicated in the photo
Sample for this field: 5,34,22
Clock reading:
10,48,36
